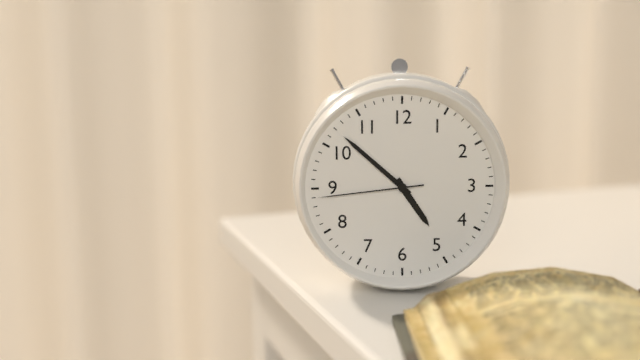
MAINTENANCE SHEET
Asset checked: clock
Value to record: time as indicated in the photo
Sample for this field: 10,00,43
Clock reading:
4,52,44
